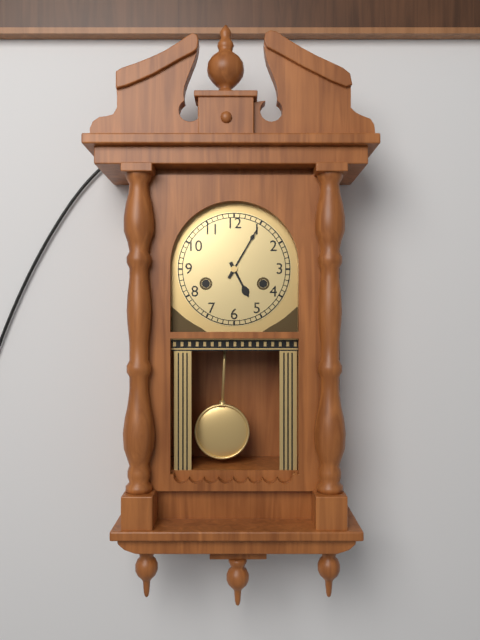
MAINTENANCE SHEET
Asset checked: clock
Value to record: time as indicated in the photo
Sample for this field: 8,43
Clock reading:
5,05
